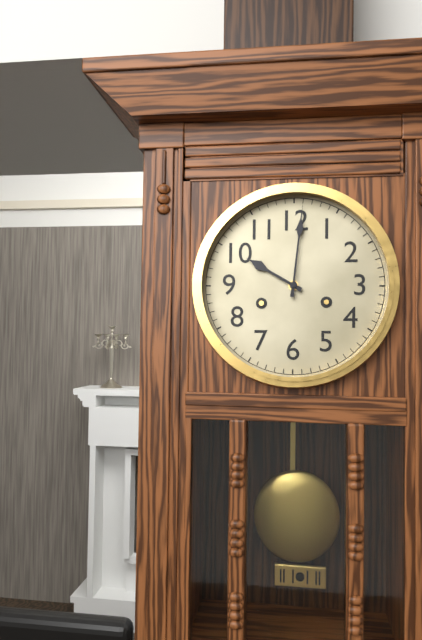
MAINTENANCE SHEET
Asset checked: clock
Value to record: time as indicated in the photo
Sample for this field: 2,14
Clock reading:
10,01
